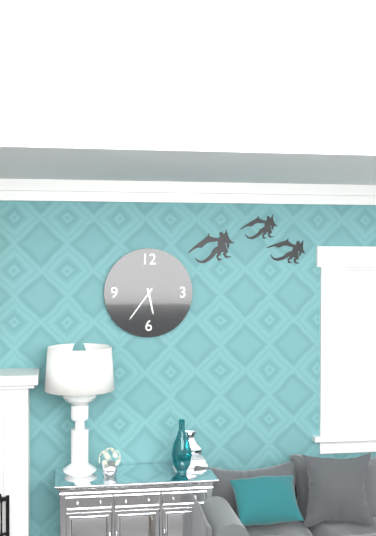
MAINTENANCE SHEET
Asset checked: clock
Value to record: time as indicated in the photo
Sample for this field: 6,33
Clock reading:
5,36
